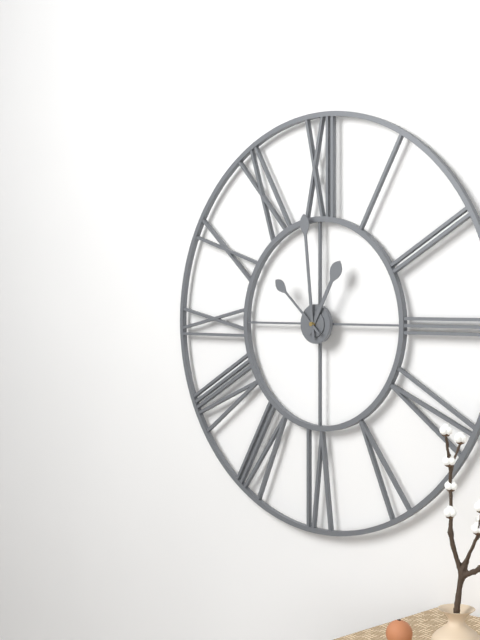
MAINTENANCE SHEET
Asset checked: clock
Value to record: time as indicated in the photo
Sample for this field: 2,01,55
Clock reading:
12,59,52
